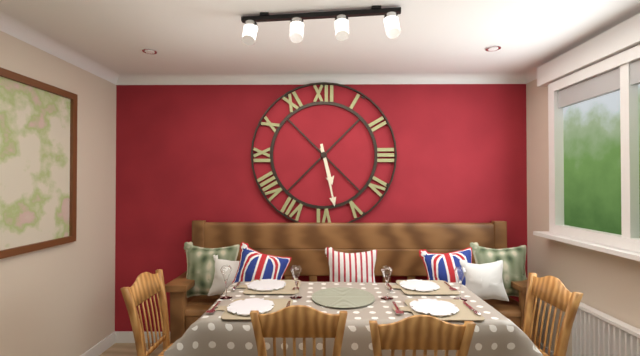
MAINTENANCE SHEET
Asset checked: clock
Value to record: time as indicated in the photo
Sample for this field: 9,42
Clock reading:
5,28
